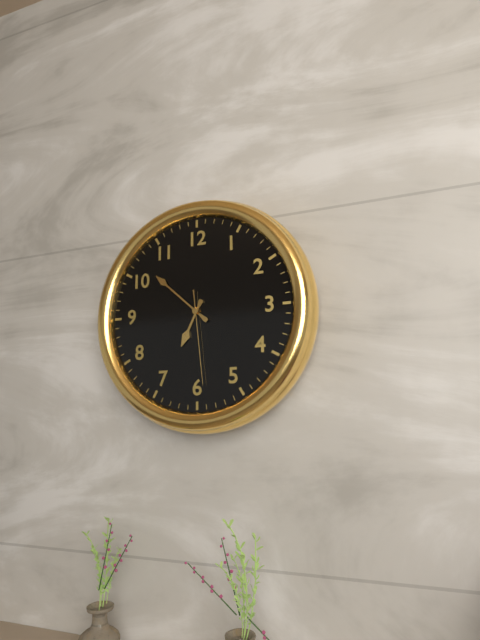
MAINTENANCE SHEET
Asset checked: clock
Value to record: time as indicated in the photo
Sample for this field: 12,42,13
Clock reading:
6,52,29
